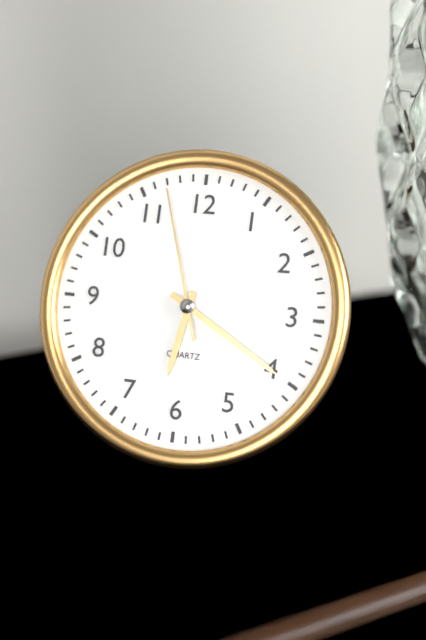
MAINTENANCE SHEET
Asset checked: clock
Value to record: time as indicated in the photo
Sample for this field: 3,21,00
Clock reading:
6,20,57
